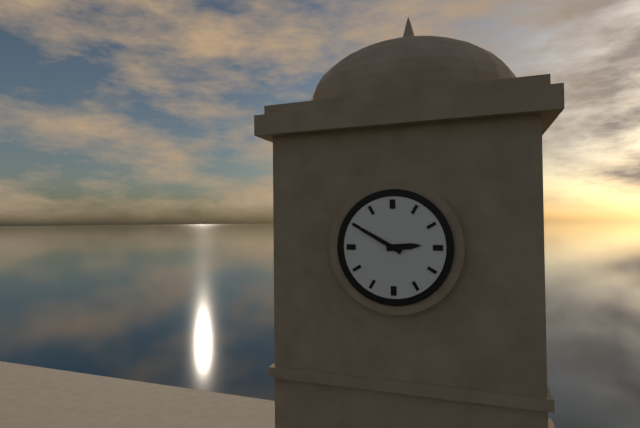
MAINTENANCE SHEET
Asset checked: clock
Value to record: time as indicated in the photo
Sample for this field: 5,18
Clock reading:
2,50
